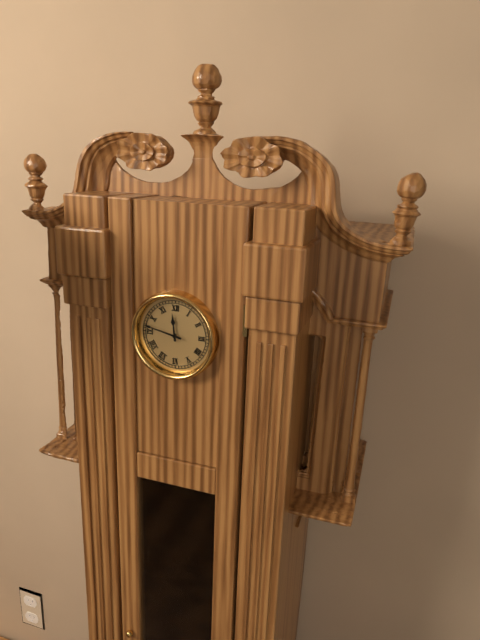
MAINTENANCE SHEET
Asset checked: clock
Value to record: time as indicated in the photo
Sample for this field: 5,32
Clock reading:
11,47
